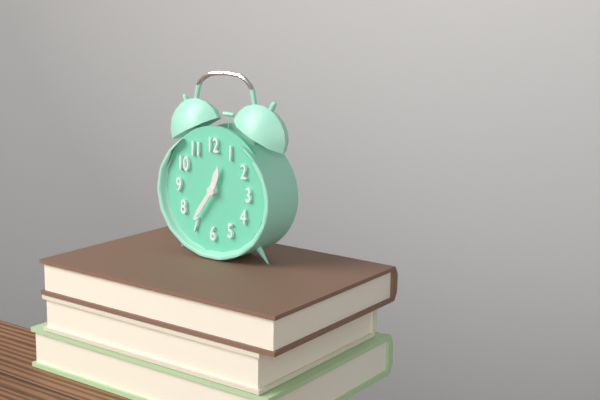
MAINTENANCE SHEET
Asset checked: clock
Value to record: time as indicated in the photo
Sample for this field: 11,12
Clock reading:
12,36
